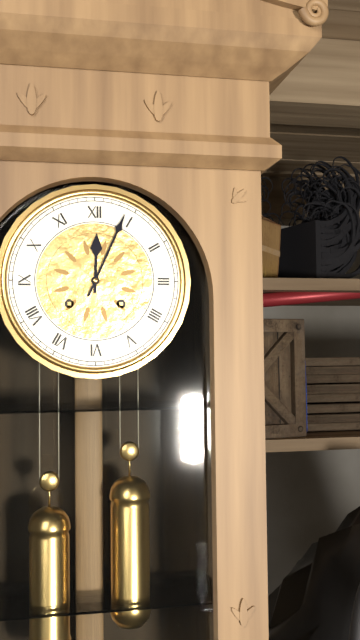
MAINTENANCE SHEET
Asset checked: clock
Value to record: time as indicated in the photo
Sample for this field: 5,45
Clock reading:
12,04
